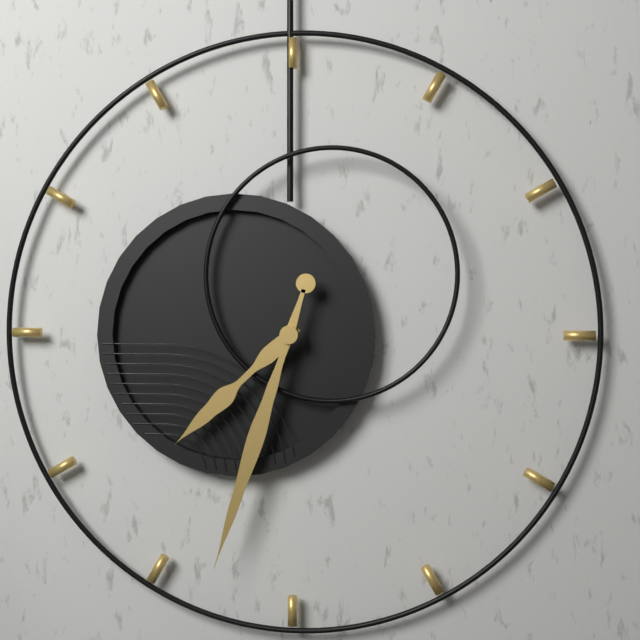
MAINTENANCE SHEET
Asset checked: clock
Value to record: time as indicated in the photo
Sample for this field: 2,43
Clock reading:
7,33
